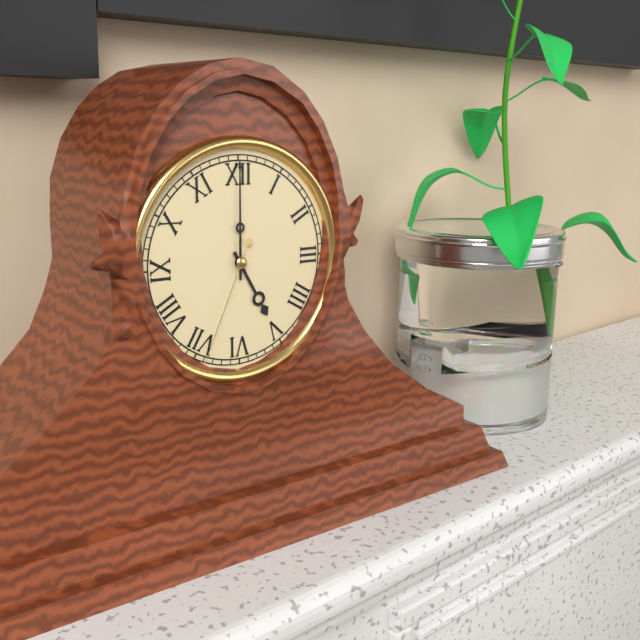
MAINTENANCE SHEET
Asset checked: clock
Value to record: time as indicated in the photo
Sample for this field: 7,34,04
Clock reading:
5,00,34
